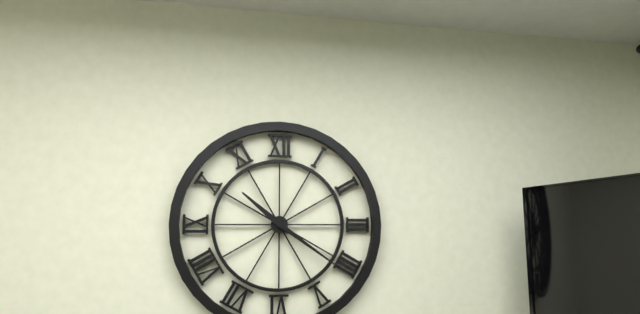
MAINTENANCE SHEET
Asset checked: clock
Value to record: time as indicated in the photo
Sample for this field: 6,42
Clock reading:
10,21
